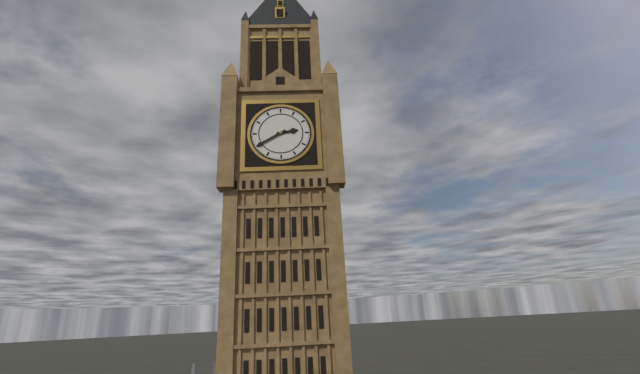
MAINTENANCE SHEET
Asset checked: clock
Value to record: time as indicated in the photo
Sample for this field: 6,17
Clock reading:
2,40
